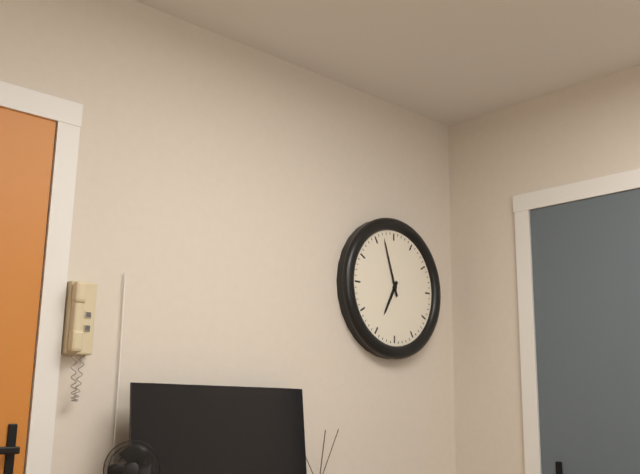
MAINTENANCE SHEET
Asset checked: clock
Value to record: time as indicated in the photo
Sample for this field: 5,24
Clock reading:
6,57
